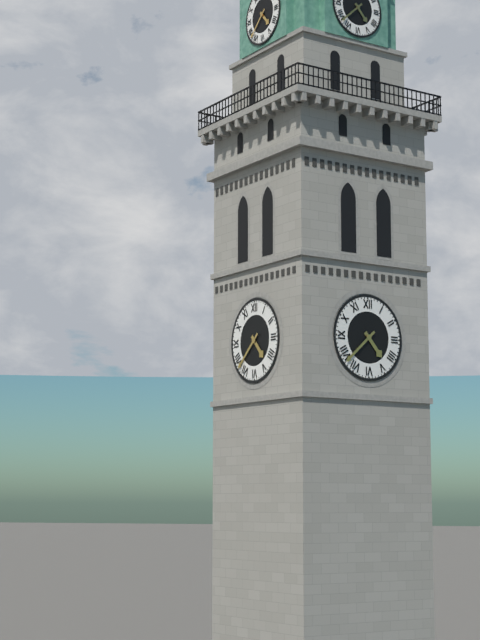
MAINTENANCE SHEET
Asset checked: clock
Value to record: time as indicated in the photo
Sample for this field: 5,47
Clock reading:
4,38
